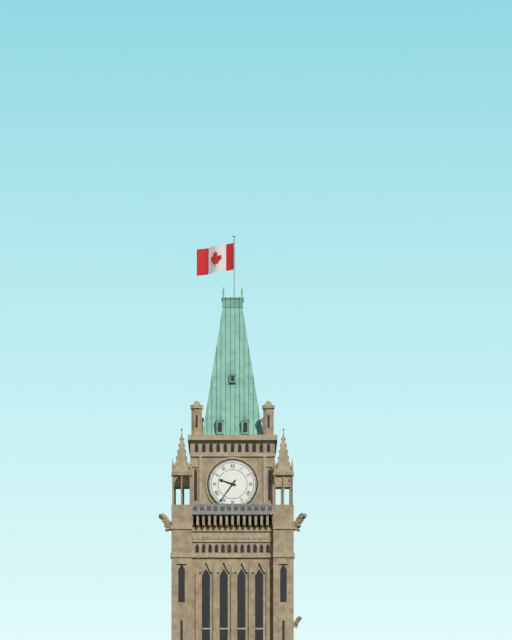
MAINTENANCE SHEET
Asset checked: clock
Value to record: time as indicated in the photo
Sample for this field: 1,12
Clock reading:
9,36
